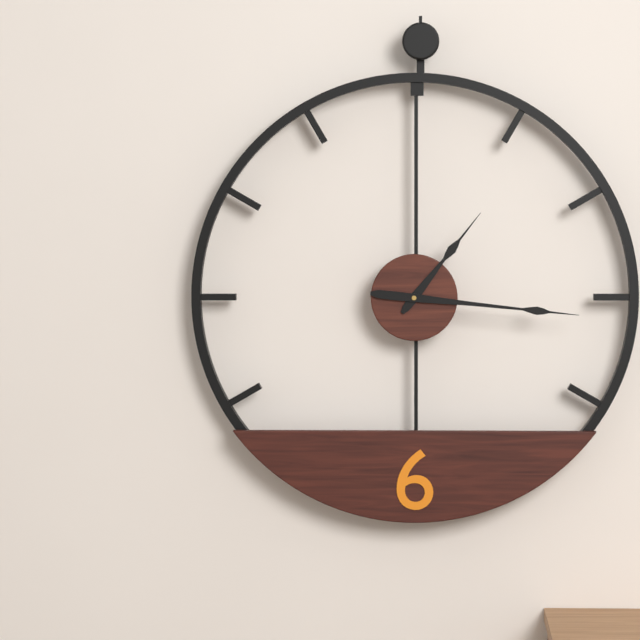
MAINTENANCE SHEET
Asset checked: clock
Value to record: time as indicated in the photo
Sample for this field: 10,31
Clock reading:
1,16
